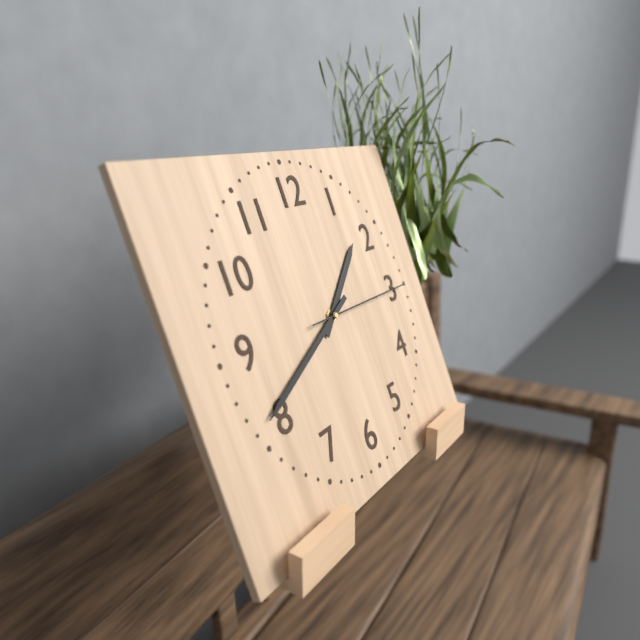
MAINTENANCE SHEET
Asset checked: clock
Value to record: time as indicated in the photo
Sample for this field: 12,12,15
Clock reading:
1,41,15
